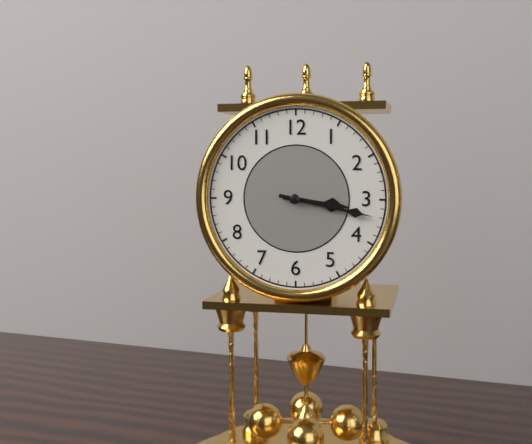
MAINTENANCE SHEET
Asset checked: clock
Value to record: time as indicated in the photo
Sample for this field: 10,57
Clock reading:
3,17
